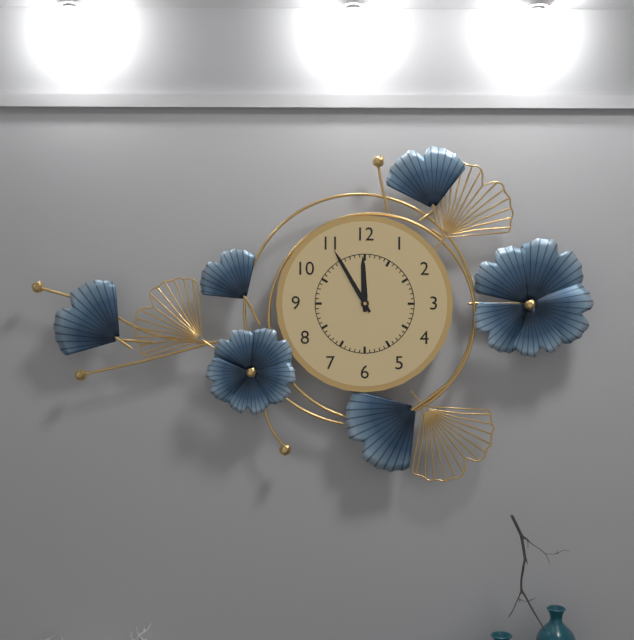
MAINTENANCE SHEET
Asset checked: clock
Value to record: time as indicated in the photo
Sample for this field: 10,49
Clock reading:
11,55
